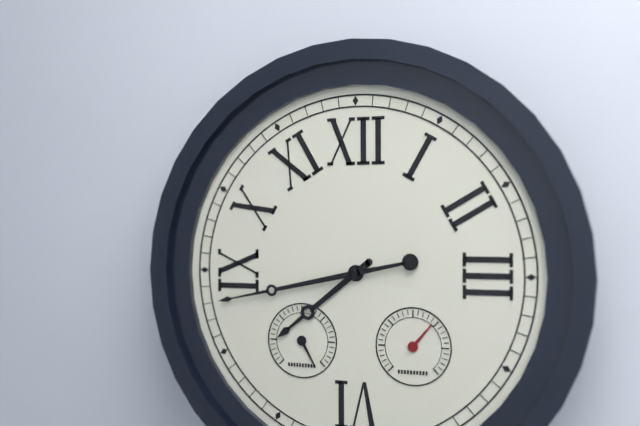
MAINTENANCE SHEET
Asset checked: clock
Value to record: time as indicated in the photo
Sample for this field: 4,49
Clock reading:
7,43
